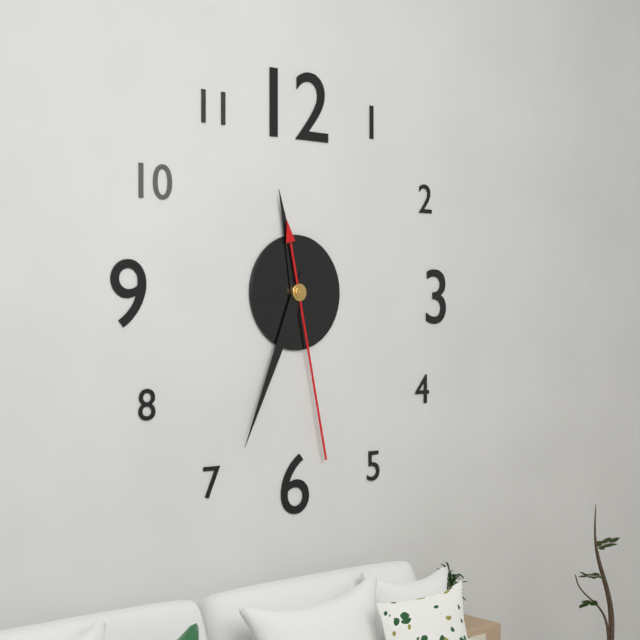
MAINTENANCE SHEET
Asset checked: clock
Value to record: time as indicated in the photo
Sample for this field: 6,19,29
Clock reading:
11,34,28
